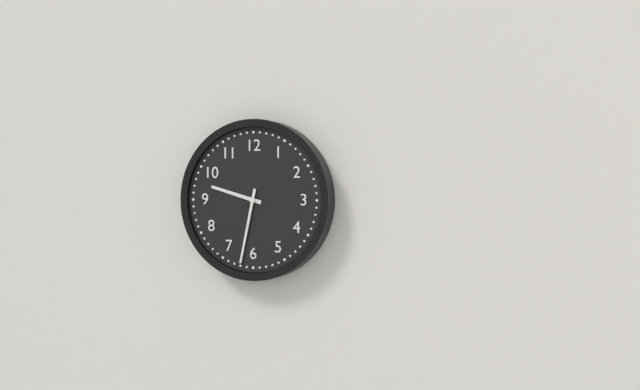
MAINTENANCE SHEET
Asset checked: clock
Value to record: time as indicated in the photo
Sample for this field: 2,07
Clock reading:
9,32
